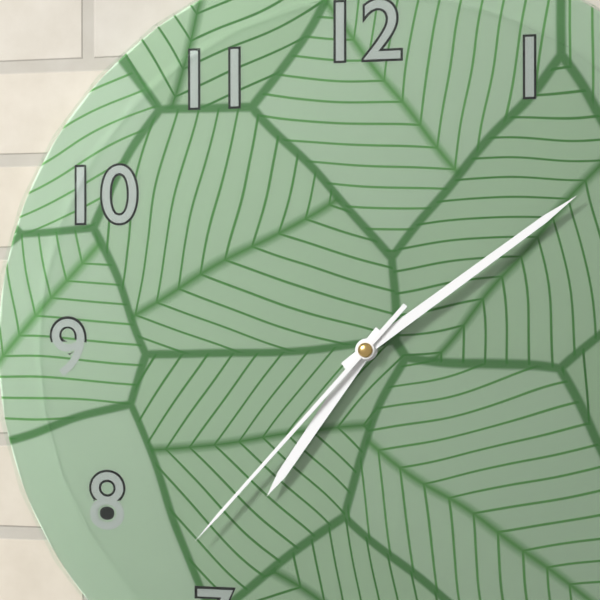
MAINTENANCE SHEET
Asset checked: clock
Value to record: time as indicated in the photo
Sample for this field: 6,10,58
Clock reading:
7,09,37
